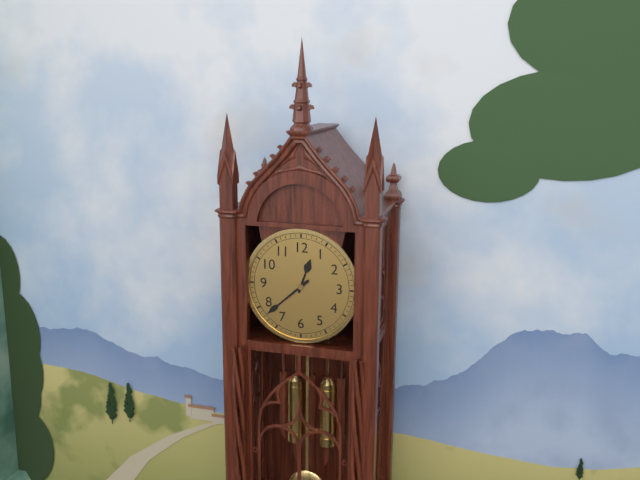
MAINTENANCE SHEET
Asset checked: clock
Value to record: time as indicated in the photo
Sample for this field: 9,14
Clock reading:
12,38
